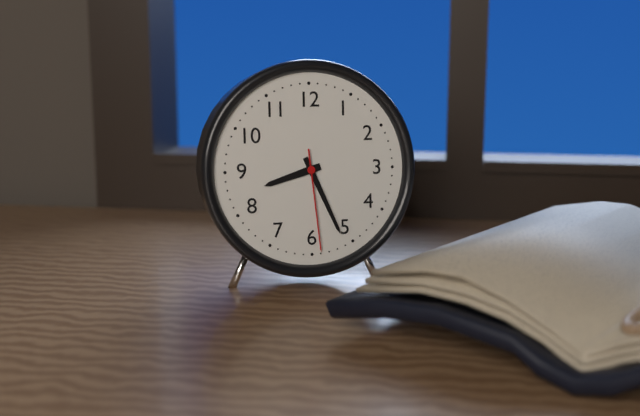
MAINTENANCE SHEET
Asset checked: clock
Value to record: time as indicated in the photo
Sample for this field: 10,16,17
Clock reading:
8,26,29
